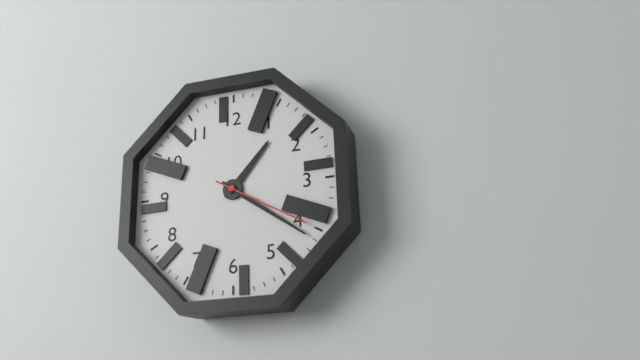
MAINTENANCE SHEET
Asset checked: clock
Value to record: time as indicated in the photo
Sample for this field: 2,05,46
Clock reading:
1,21,20
